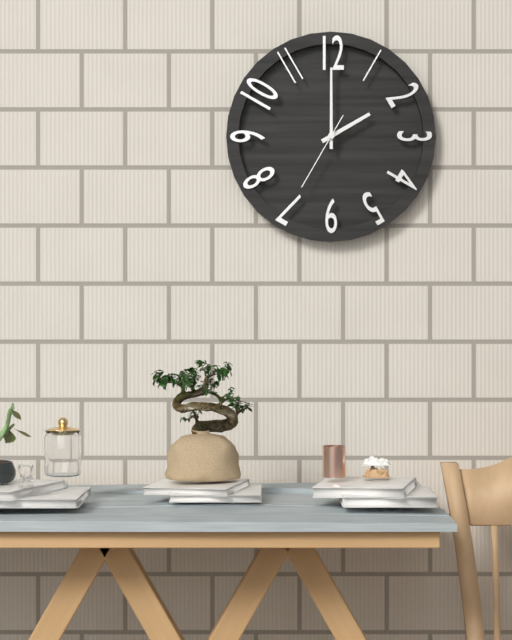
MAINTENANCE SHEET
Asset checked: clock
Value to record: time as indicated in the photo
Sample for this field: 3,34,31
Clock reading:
2,00,35
